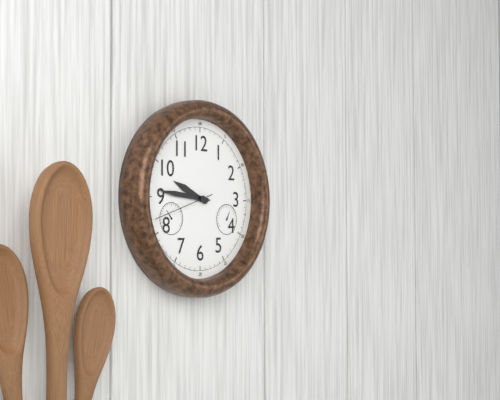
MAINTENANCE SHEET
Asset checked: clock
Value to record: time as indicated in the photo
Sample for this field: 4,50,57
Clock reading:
9,46,42
